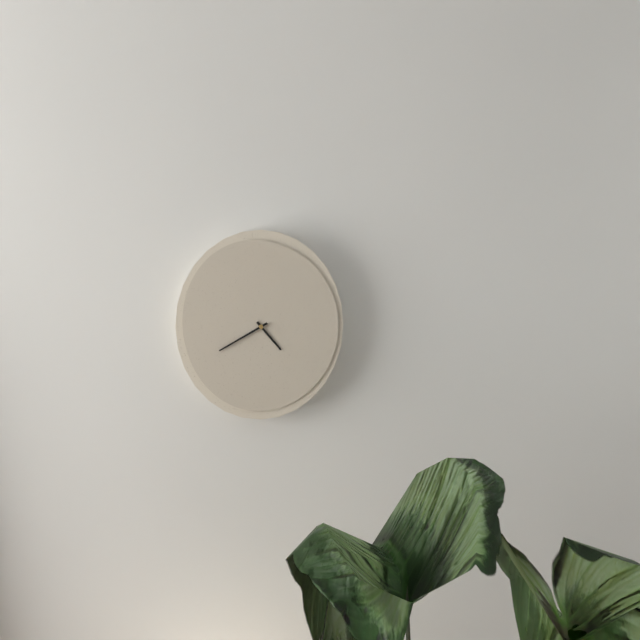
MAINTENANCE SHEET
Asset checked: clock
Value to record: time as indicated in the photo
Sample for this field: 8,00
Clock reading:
4,40
